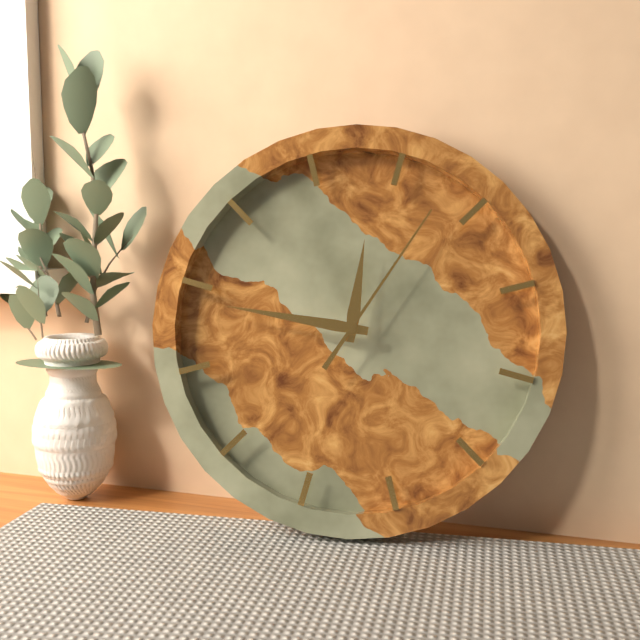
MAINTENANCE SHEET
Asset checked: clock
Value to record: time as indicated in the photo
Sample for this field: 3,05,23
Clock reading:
11,44,03
